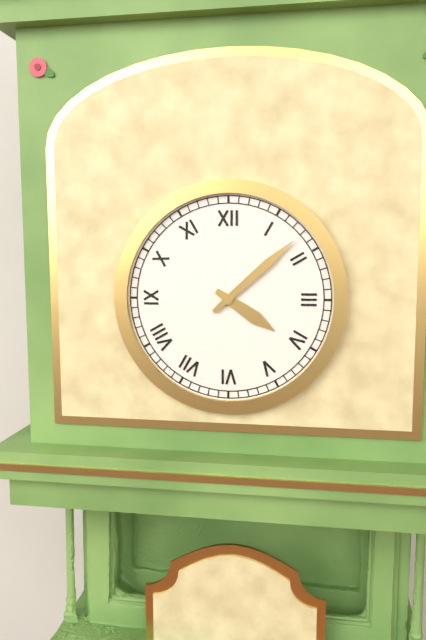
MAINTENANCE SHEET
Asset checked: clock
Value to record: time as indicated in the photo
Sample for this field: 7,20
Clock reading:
4,08
